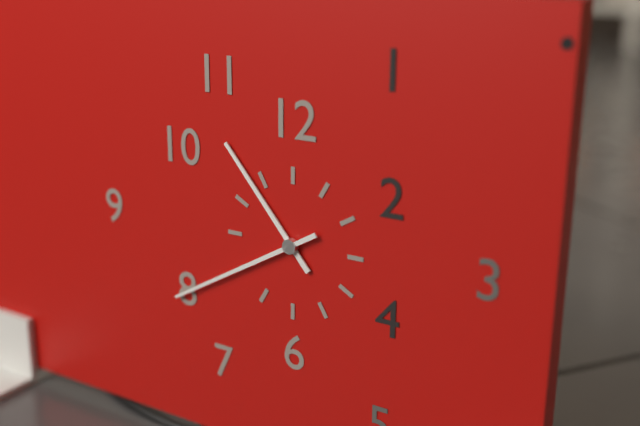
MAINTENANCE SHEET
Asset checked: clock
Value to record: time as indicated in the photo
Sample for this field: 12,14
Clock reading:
10,40
